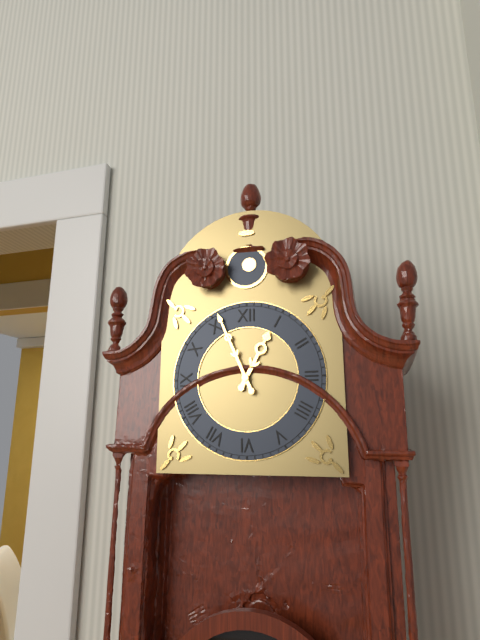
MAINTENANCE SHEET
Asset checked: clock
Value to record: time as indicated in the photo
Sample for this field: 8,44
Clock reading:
12,56
